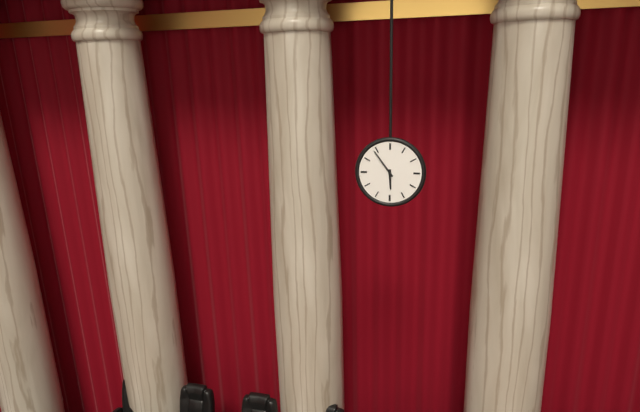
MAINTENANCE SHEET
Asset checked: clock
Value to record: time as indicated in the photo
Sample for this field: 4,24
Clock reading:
5,54
